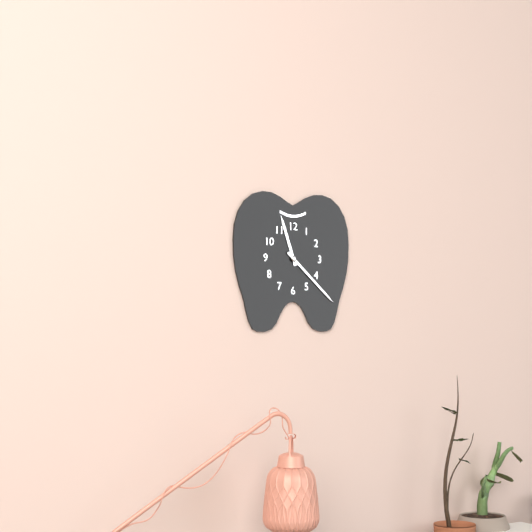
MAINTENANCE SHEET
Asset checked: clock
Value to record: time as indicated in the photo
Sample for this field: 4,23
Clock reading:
11,22
